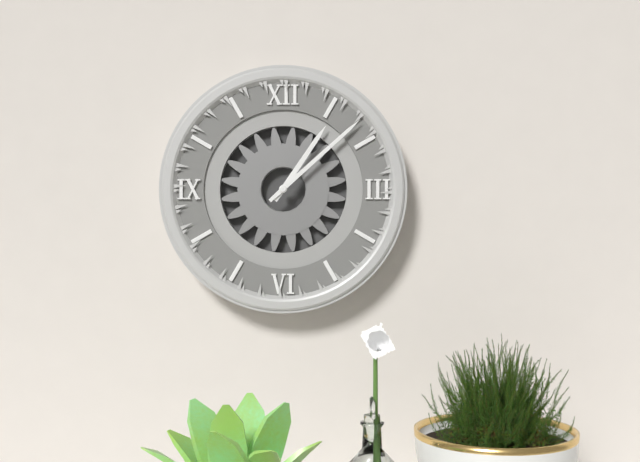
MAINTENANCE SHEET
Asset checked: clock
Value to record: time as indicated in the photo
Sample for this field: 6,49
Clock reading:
1,08
